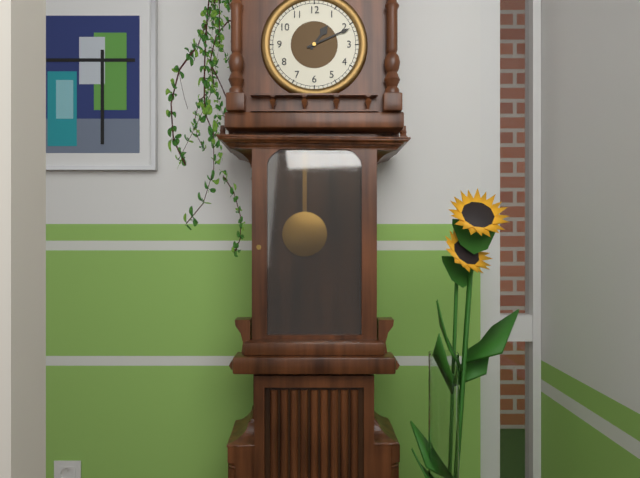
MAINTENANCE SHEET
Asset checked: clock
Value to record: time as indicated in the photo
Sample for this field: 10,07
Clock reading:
1,11
